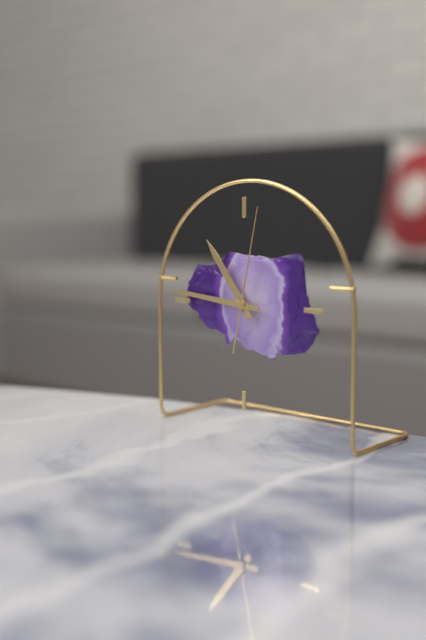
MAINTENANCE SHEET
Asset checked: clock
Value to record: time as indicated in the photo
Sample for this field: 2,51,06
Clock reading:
10,46,02
